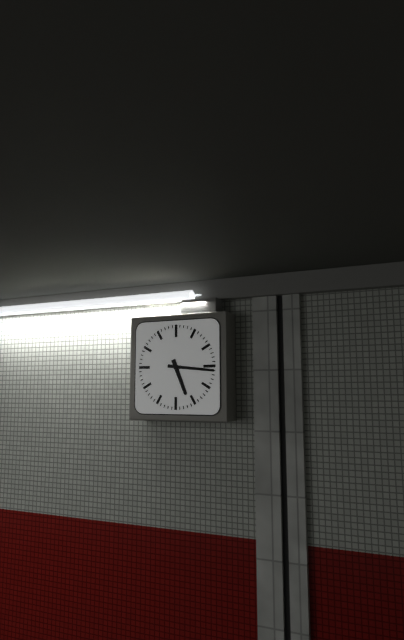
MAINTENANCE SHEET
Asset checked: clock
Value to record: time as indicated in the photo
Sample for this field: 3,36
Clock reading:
5,16
